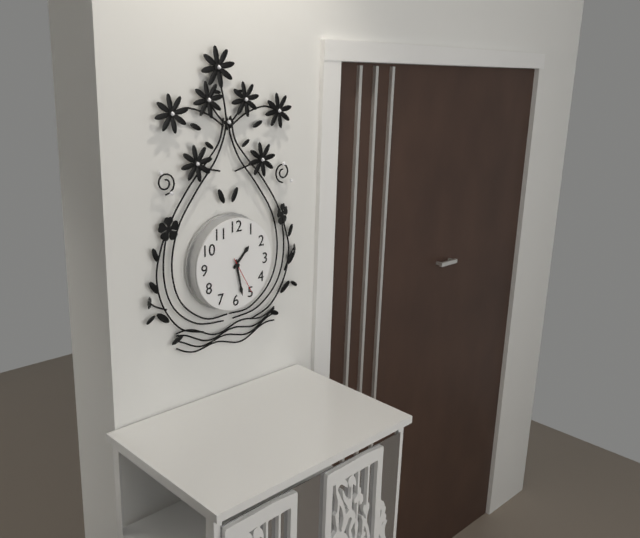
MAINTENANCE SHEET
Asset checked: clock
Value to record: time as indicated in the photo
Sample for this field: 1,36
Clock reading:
1,28
